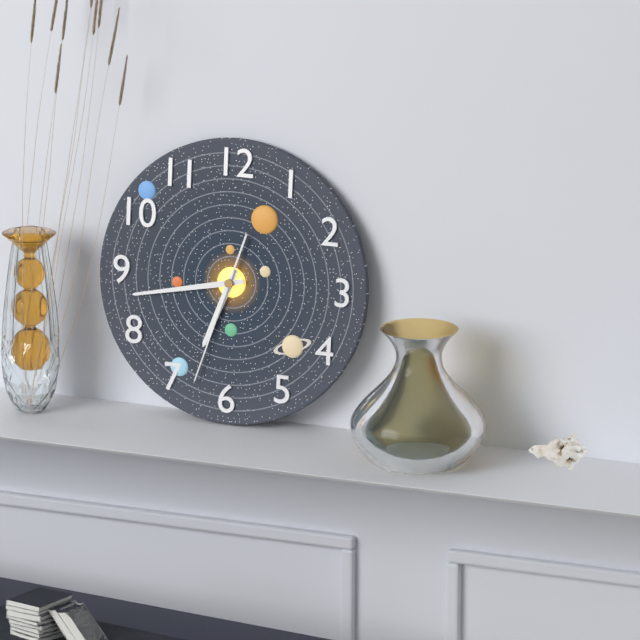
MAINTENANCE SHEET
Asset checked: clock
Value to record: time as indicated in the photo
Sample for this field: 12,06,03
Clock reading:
6,43,33
